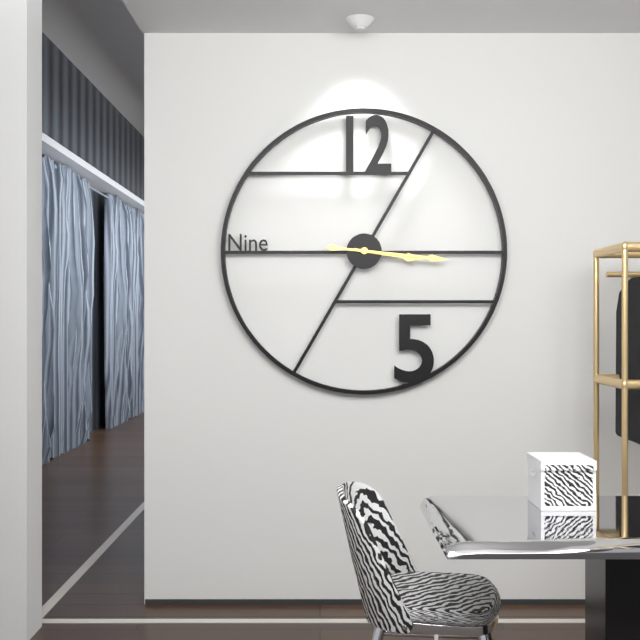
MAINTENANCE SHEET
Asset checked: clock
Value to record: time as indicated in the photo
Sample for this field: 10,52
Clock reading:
3,16
